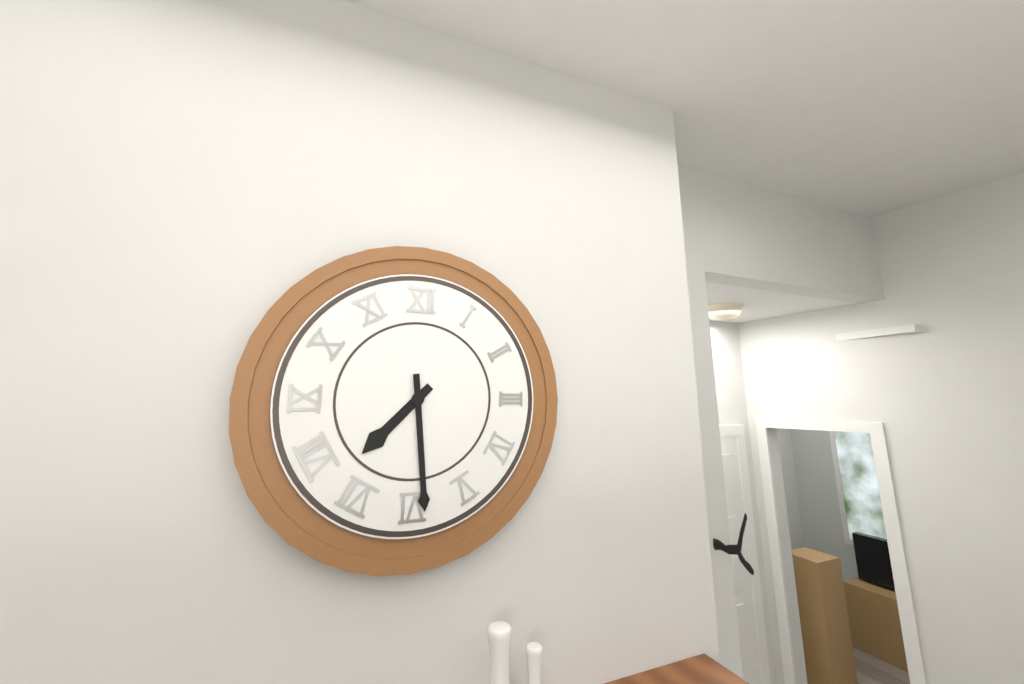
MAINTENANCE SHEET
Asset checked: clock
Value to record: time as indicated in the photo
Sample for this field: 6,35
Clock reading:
7,29
